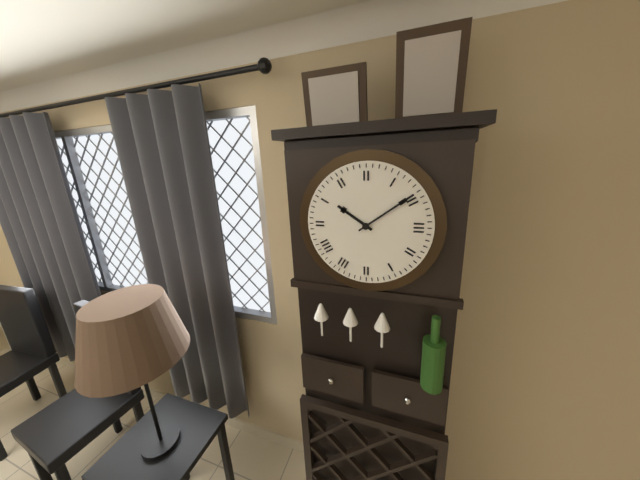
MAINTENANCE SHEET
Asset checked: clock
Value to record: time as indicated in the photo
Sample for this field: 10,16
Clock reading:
10,09
